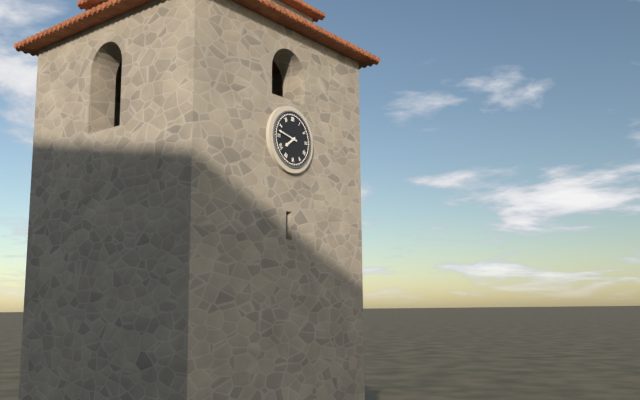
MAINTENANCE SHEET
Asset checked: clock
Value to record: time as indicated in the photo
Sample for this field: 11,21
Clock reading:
7,47
